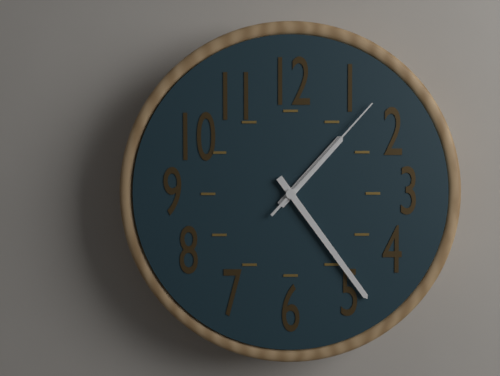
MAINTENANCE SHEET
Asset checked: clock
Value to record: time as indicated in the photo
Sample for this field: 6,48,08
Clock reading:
1,24,07
